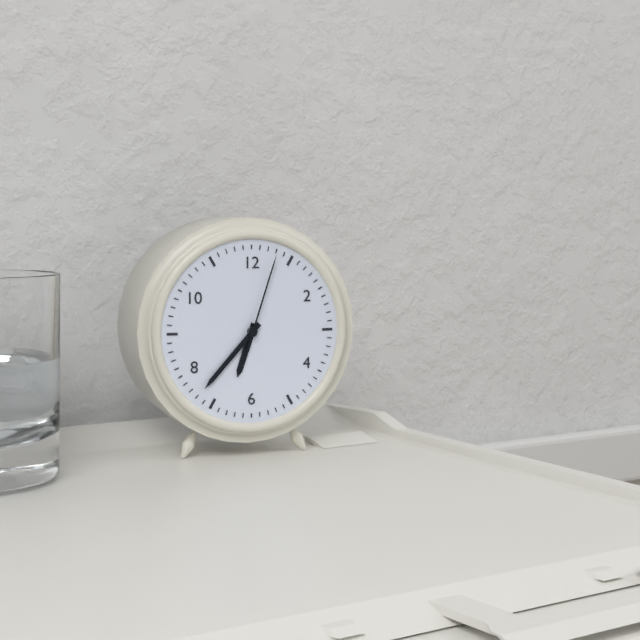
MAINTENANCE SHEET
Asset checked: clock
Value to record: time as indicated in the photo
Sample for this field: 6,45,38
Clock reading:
6,37,03
